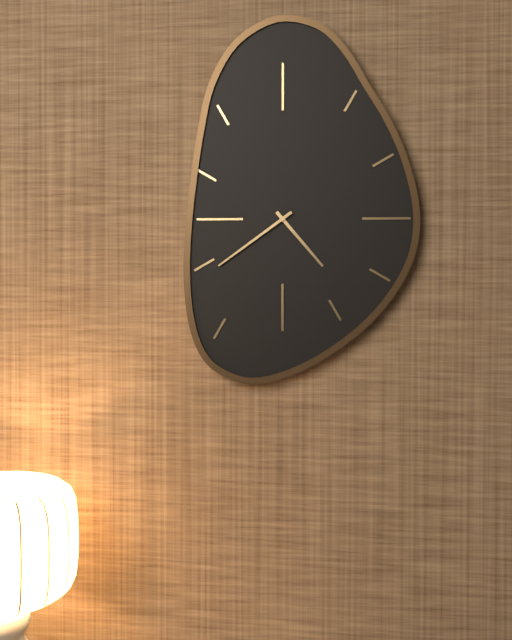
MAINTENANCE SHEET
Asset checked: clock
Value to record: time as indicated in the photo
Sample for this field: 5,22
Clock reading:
4,39
